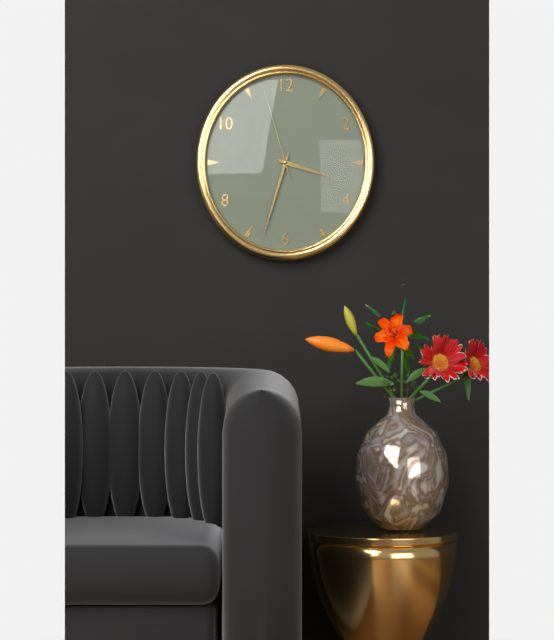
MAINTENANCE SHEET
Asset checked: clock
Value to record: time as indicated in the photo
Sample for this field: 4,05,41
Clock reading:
3,33,57
